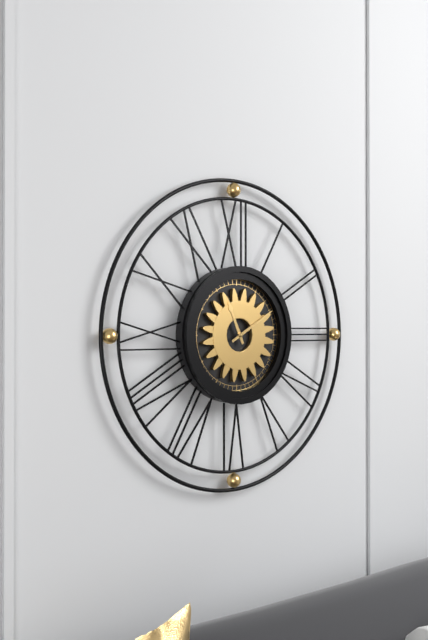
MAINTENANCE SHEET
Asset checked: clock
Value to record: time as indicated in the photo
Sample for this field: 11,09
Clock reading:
11,10
